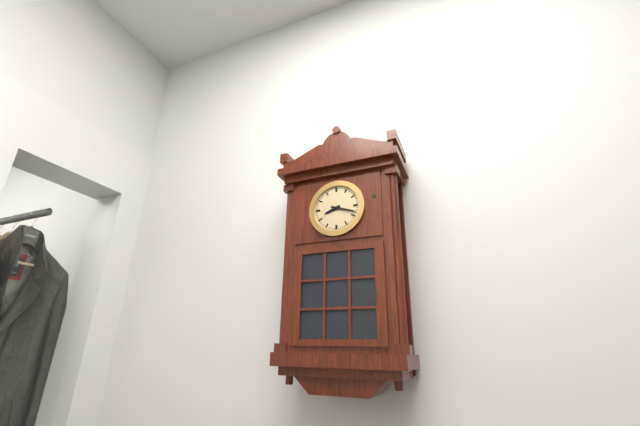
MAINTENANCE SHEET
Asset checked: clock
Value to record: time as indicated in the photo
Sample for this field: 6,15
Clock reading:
8,18
